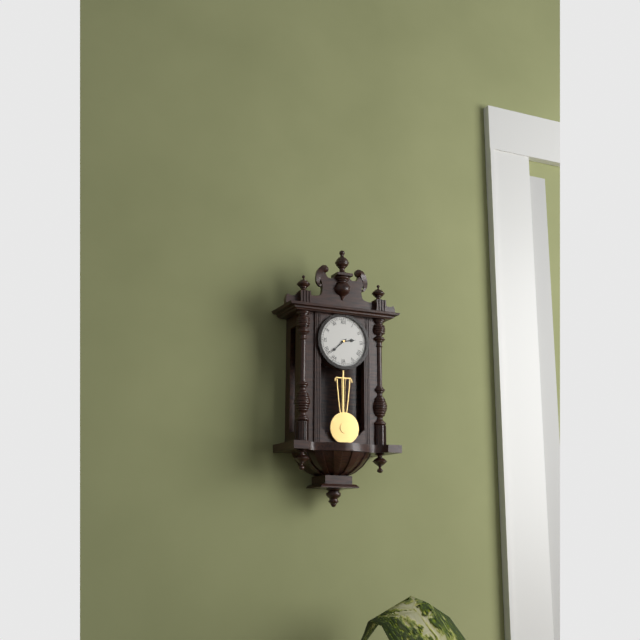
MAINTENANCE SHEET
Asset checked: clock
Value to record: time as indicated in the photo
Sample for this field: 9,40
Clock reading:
2,38
